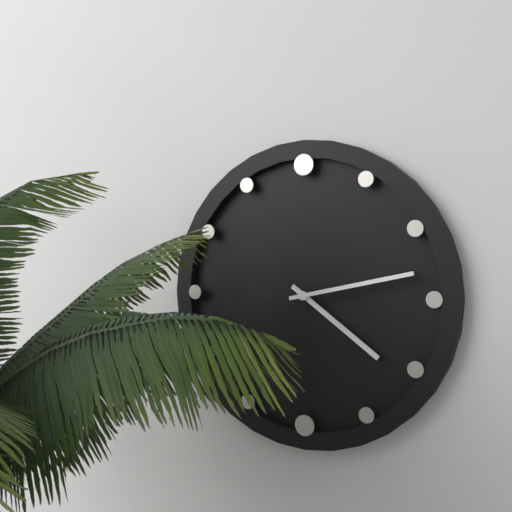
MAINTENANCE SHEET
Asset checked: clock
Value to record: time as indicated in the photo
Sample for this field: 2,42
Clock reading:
4,13
